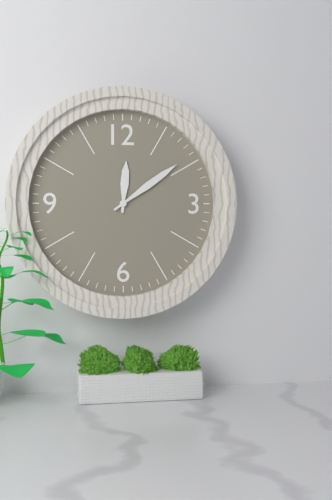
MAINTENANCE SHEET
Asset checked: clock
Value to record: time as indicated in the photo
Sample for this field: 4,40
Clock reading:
12,09
